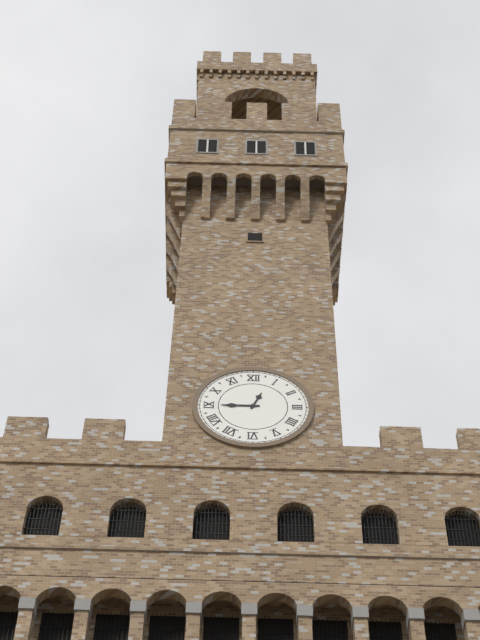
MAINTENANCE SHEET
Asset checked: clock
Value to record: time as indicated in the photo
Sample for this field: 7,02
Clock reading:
12,45
